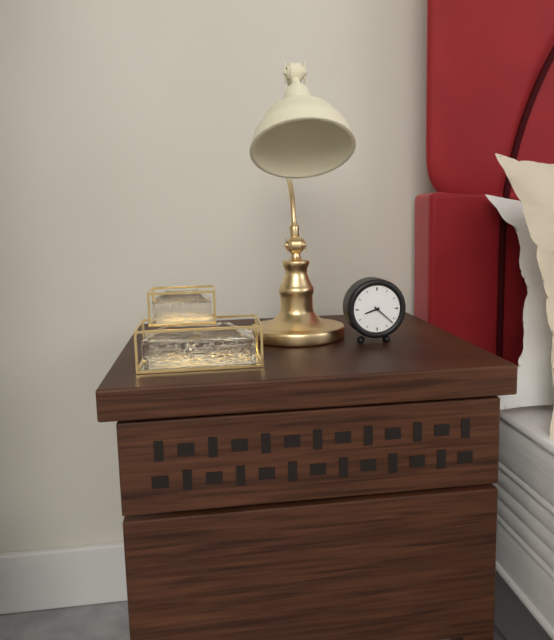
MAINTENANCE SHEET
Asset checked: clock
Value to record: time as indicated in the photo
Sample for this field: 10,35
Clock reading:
8,22
